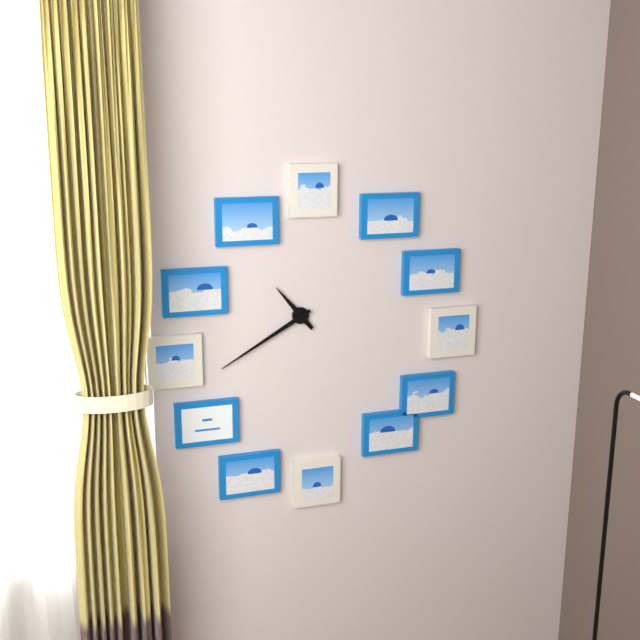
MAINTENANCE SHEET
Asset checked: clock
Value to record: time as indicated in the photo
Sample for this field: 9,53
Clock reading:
10,40
